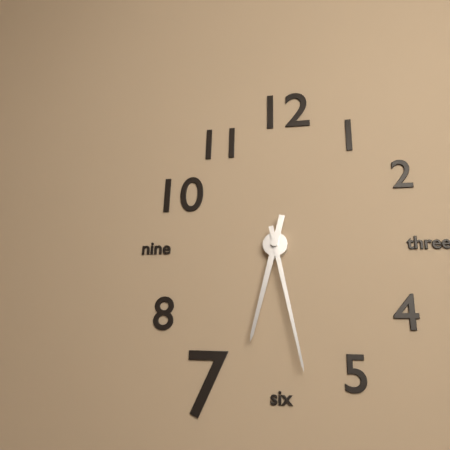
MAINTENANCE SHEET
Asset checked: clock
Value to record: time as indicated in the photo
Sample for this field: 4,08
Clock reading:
6,28
